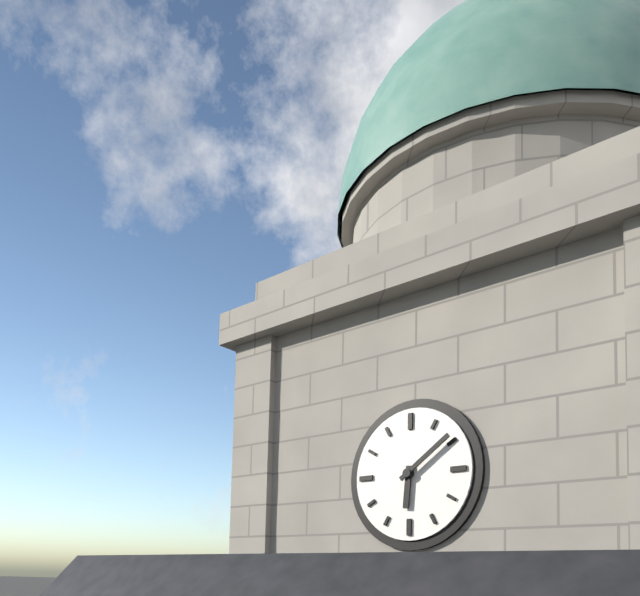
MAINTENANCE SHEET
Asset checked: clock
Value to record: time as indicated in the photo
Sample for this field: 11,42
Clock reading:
6,09
